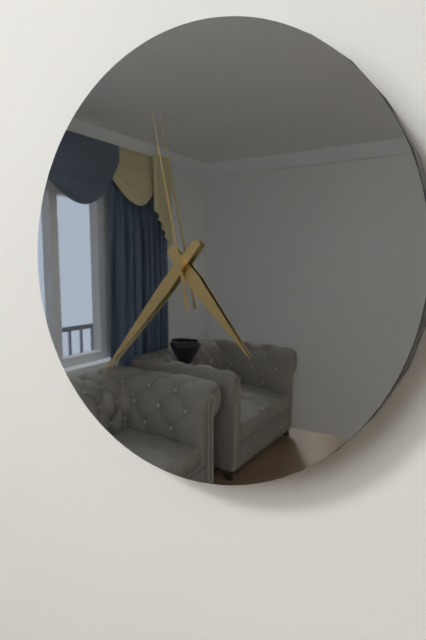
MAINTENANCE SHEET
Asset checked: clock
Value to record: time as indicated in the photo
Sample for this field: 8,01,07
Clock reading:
4,37,58
